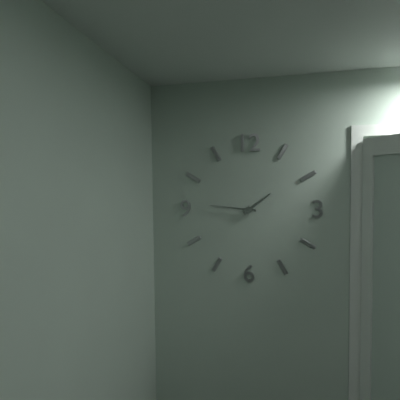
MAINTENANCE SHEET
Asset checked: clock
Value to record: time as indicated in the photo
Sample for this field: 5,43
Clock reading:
1,46
